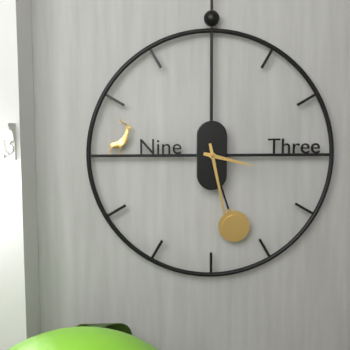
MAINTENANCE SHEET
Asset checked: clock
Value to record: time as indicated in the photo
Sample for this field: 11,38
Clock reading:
3,28
